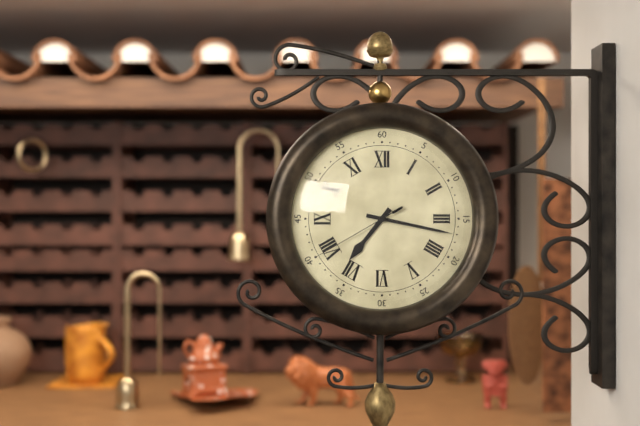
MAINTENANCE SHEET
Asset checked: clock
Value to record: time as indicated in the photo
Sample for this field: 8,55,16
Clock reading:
7,17,40
